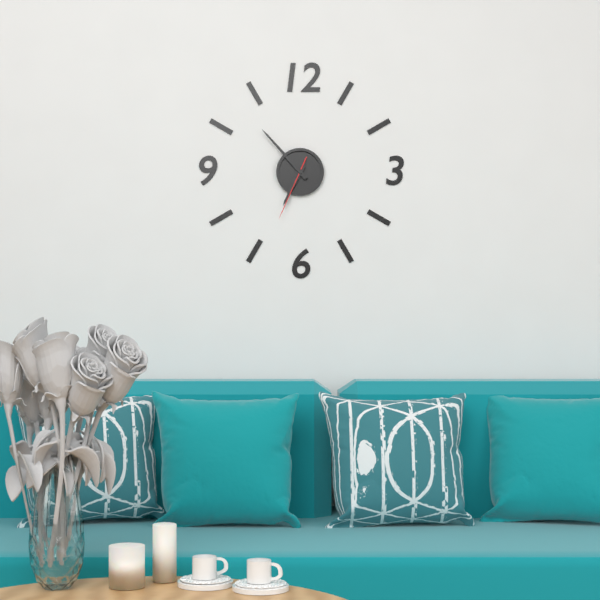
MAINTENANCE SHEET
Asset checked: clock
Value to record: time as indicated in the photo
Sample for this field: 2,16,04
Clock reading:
6,53,34
